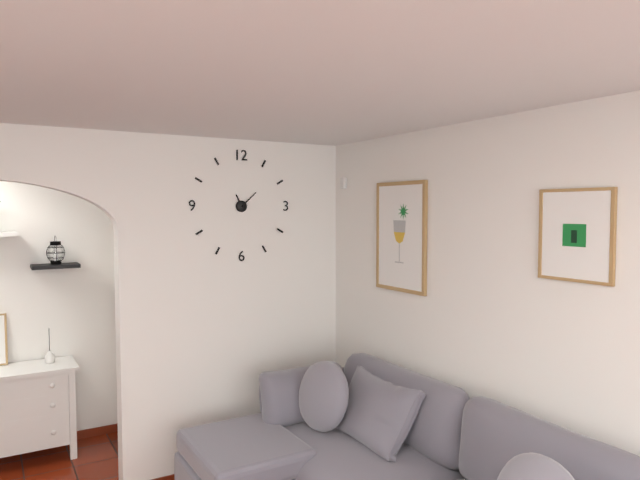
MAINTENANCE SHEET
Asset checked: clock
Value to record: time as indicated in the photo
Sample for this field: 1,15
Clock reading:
11,08
